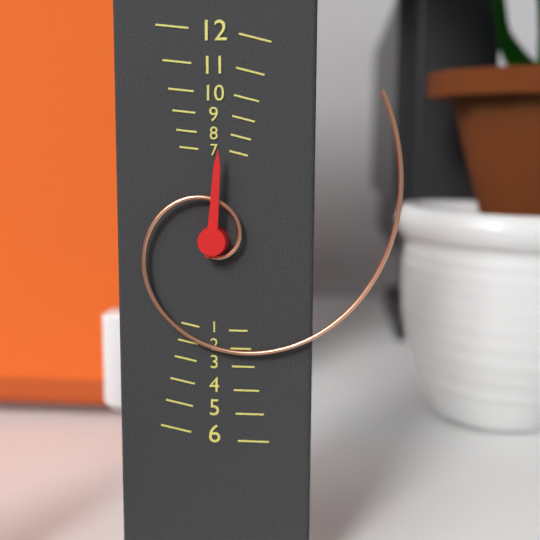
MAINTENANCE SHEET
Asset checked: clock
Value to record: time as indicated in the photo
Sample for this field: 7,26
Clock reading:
12,08
